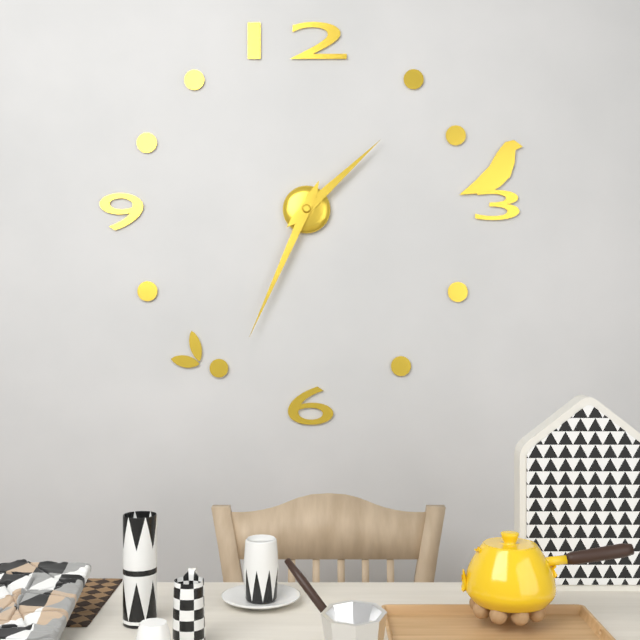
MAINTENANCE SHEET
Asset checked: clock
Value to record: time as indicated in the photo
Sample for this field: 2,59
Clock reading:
1,34
